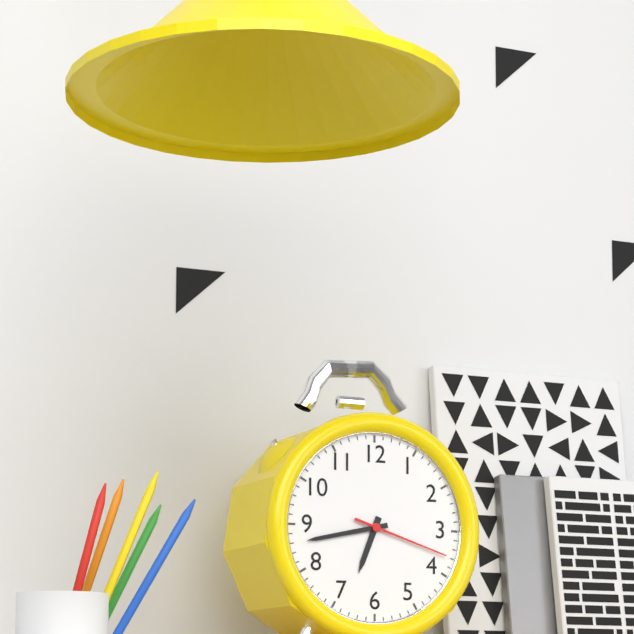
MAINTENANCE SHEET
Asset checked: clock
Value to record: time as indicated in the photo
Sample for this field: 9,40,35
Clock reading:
6,43,18
